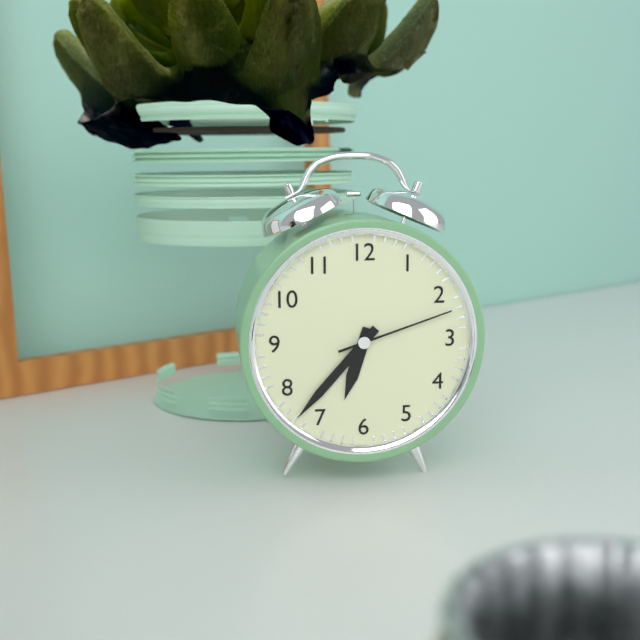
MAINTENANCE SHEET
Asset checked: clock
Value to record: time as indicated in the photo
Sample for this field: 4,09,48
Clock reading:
6,37,12
